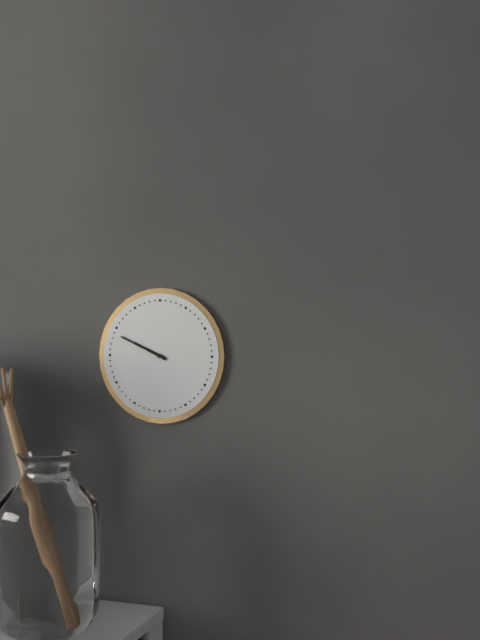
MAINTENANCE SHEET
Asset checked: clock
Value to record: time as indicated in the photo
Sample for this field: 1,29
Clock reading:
9,49
